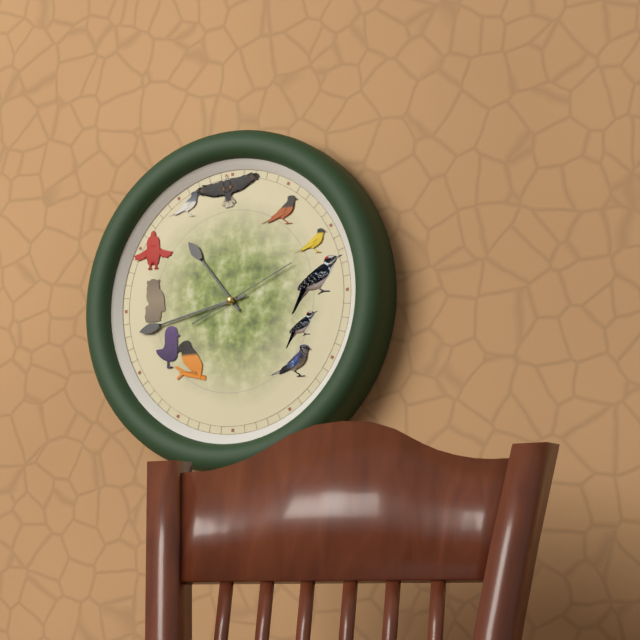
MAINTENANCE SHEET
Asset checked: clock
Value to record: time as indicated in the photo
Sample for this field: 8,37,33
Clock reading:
10,43,11
